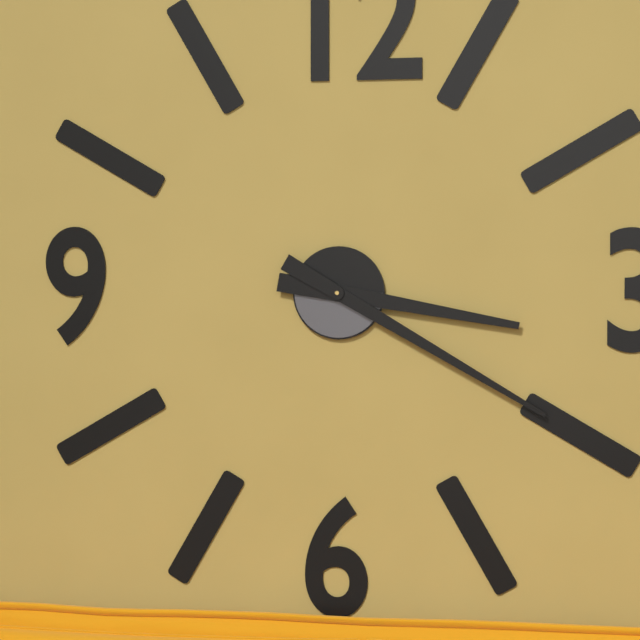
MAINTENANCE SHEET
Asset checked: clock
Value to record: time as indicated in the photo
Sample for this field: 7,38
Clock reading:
3,20
